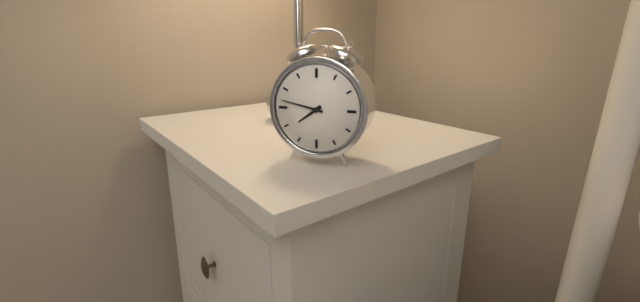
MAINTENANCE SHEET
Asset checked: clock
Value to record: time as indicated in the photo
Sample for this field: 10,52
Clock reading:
7,47
